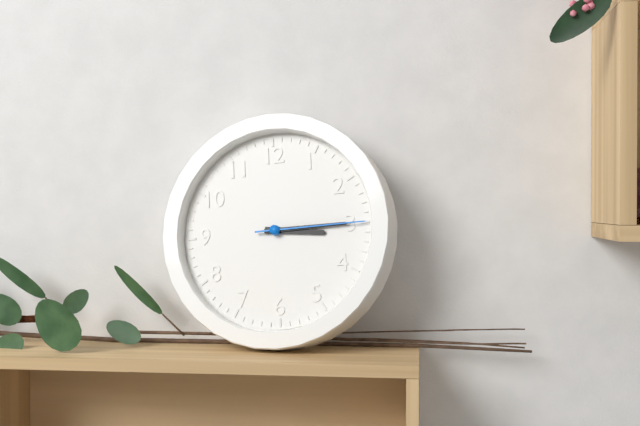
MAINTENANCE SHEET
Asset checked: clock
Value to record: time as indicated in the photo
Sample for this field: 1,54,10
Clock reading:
3,15,15
